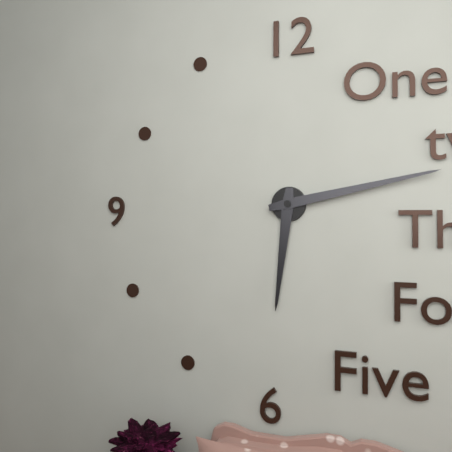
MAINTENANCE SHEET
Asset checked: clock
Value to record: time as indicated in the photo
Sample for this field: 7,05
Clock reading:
6,13
